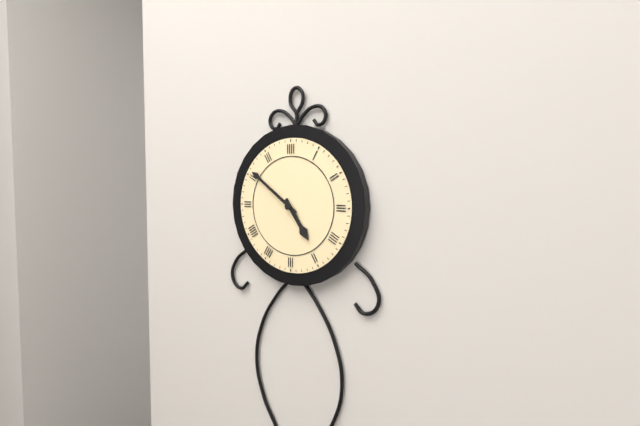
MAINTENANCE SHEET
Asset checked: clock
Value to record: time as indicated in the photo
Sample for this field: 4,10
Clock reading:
4,51
